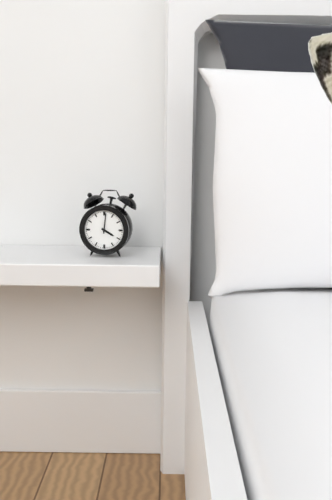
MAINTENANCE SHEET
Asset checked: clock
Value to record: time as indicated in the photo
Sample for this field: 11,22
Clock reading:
4,01
